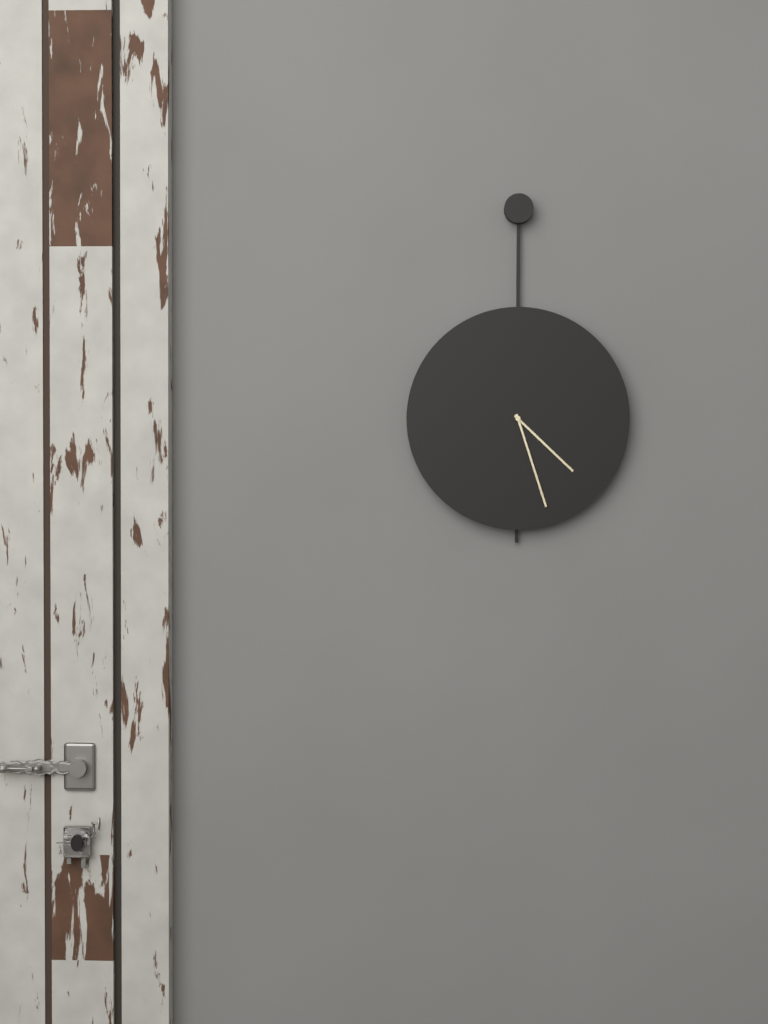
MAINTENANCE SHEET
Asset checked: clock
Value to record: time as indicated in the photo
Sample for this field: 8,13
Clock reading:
4,27
